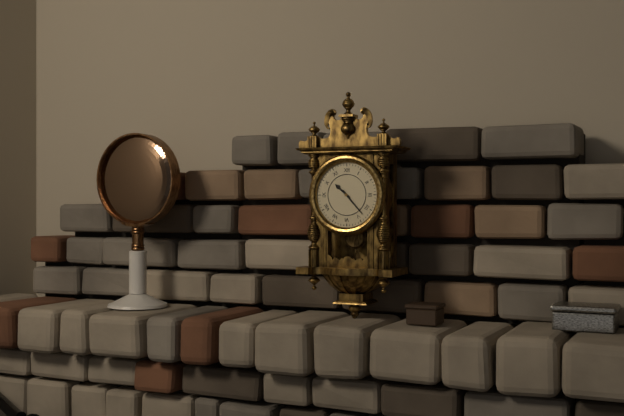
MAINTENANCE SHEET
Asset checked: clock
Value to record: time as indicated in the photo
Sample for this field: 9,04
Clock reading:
10,23
